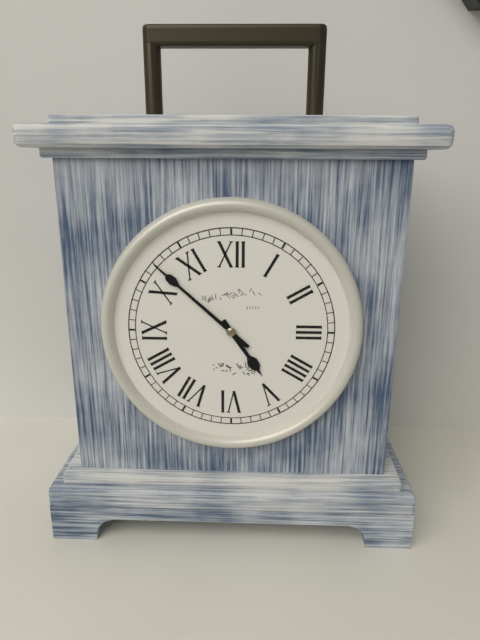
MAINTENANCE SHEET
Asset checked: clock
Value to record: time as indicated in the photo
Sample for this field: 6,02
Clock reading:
4,52
